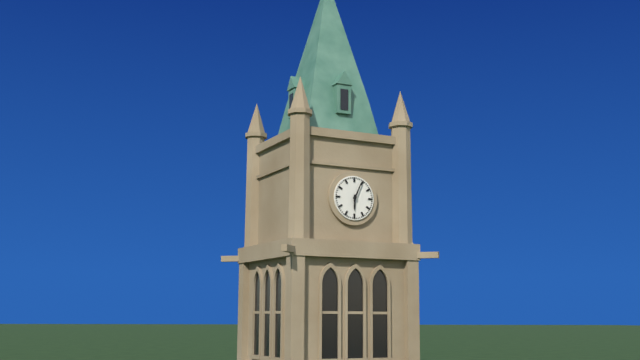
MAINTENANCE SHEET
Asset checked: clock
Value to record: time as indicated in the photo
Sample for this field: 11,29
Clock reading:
6,04
